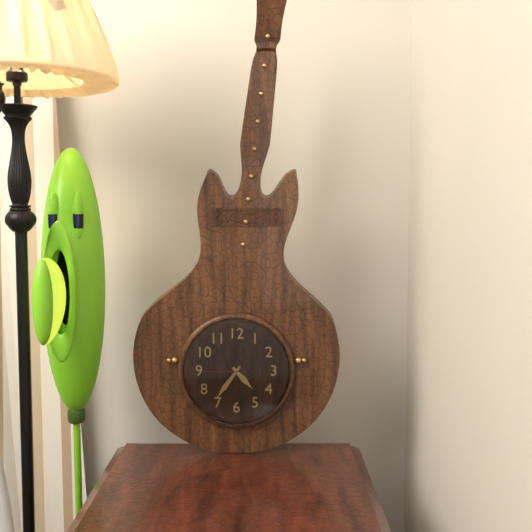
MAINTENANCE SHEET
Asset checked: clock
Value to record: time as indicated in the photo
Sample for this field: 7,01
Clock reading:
4,36
